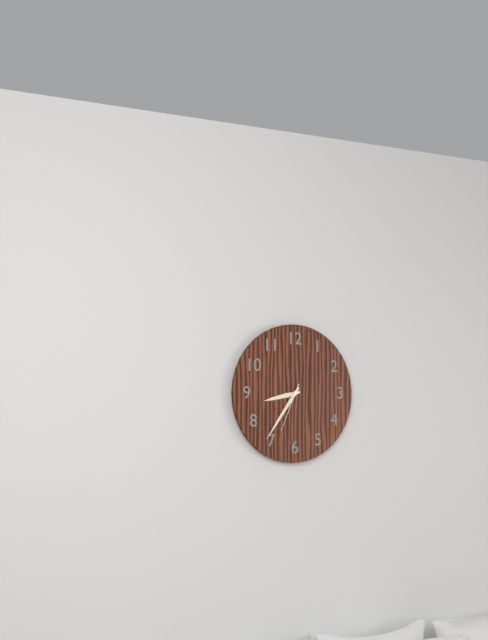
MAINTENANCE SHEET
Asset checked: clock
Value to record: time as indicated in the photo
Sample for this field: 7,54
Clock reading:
8,36
